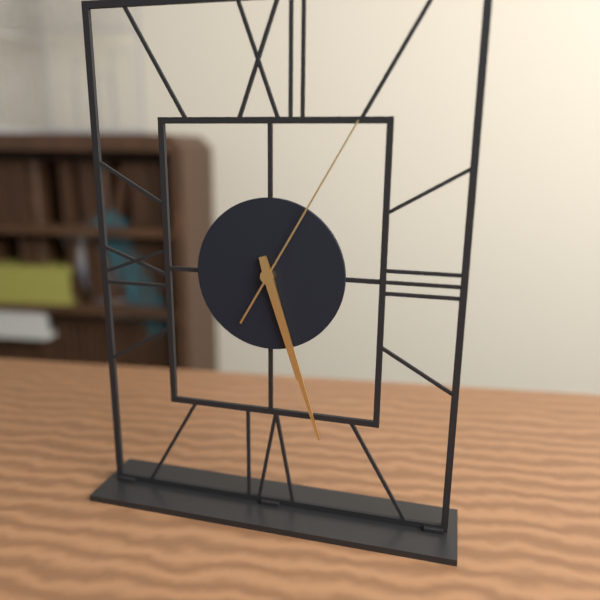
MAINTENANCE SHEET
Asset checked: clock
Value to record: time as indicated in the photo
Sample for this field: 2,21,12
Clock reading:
5,27,05
